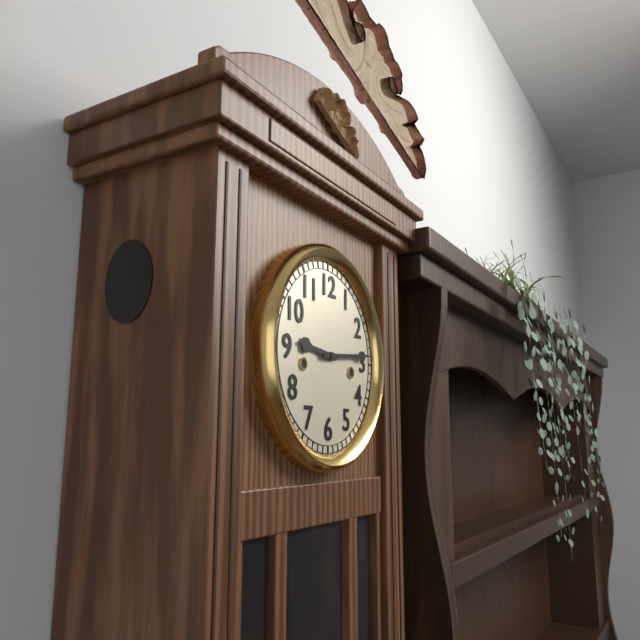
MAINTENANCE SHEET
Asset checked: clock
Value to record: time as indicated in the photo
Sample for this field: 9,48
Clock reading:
9,14
